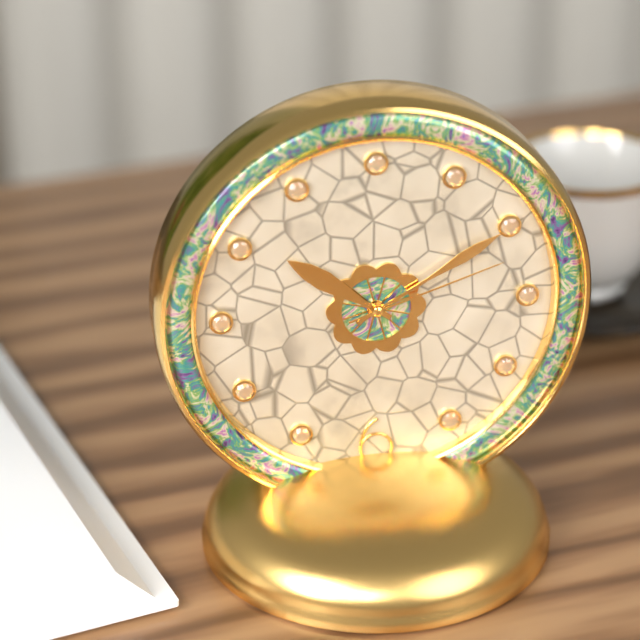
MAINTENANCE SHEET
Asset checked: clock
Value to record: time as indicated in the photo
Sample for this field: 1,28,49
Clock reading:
10,10,12
